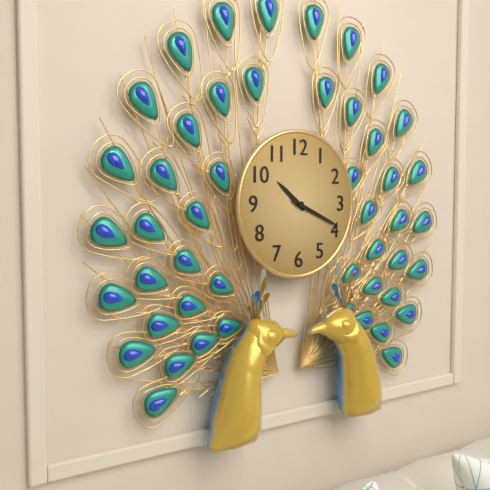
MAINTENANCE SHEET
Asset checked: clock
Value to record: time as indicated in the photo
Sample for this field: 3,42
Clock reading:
10,19
